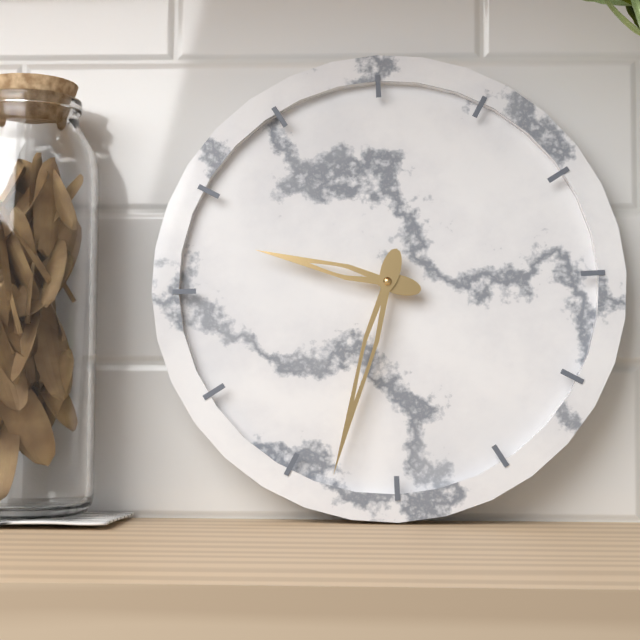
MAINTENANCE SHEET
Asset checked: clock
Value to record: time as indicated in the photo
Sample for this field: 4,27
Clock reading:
9,33
